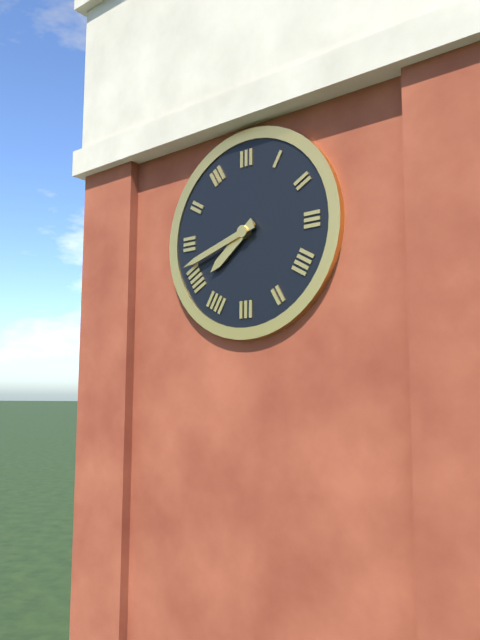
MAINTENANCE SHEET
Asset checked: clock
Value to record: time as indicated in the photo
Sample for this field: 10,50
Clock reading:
7,42
